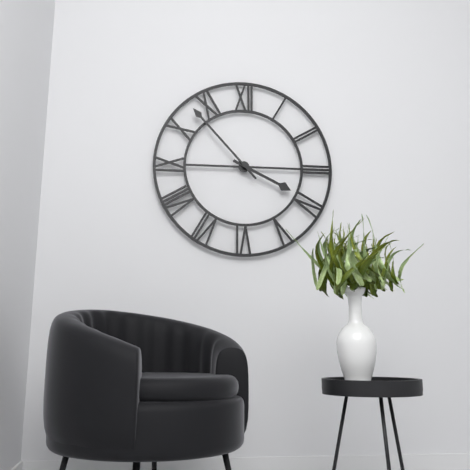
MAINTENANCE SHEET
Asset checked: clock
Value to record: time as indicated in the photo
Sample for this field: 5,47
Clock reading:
3,53
